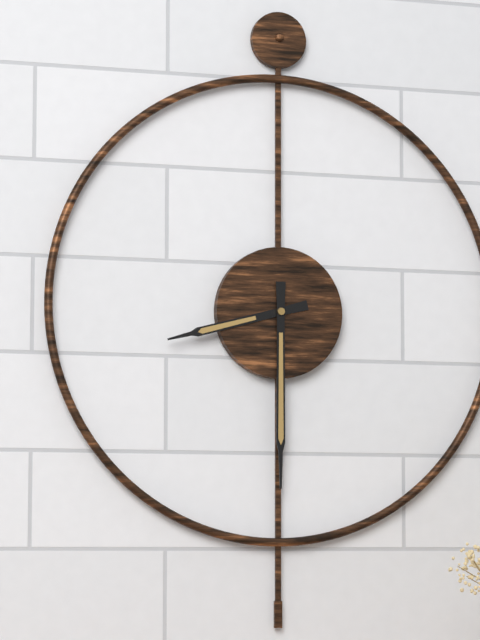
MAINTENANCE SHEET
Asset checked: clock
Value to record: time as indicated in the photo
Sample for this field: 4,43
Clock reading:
8,30
